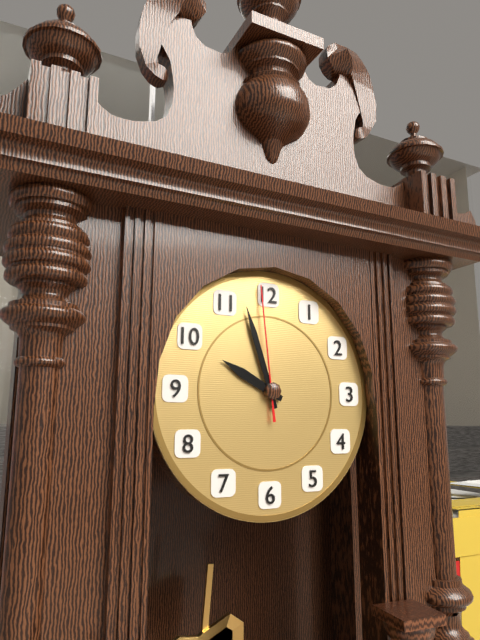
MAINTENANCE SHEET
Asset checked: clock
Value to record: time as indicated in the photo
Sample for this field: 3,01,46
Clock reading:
9,57,59
